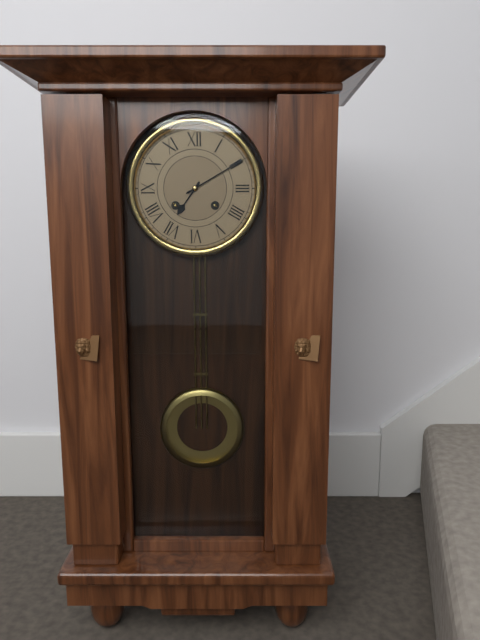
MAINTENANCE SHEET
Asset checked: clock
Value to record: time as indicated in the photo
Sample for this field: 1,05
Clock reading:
7,10
